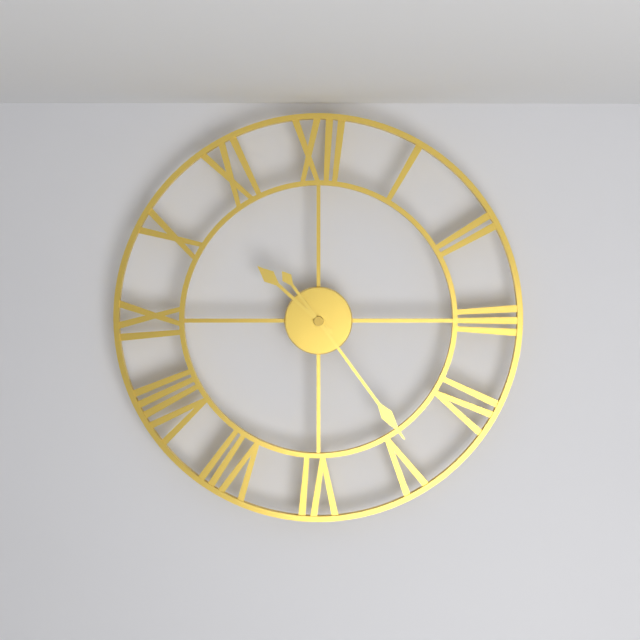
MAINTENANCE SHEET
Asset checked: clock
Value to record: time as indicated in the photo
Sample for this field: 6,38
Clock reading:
10,24
